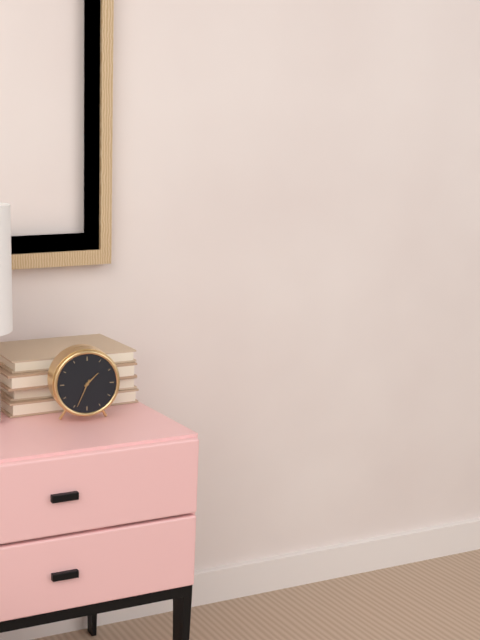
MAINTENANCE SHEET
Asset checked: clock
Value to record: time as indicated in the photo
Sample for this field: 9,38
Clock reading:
1,34
